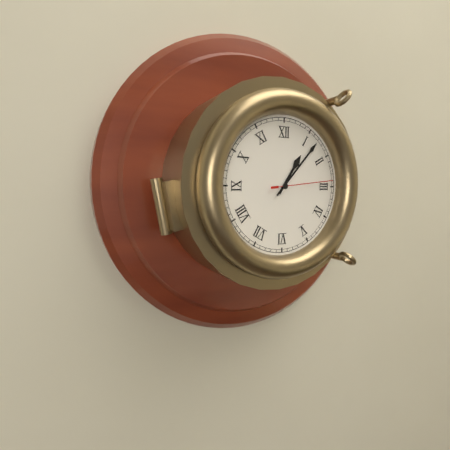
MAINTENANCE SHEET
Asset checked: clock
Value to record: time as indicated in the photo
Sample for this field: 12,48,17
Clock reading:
1,07,14
